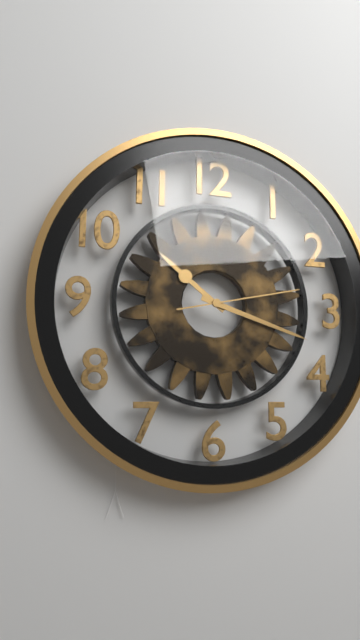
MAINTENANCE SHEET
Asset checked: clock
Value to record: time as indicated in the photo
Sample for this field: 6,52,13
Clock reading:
10,18,13
